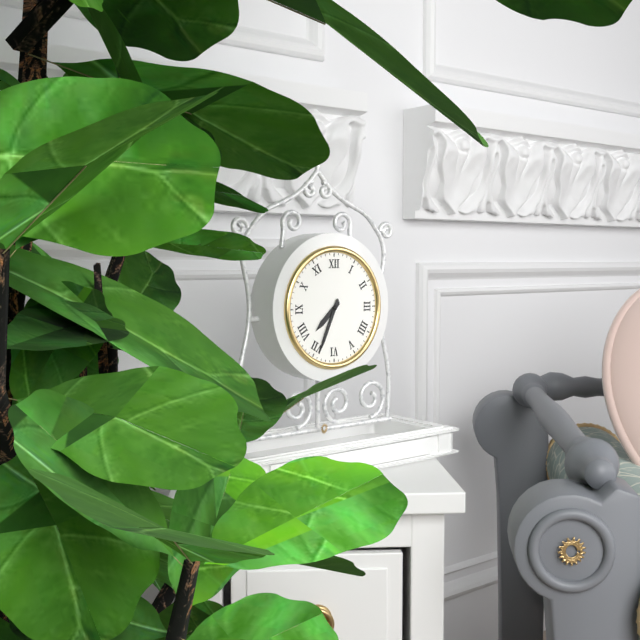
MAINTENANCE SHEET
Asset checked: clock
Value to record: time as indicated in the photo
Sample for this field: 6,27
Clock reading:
7,34
